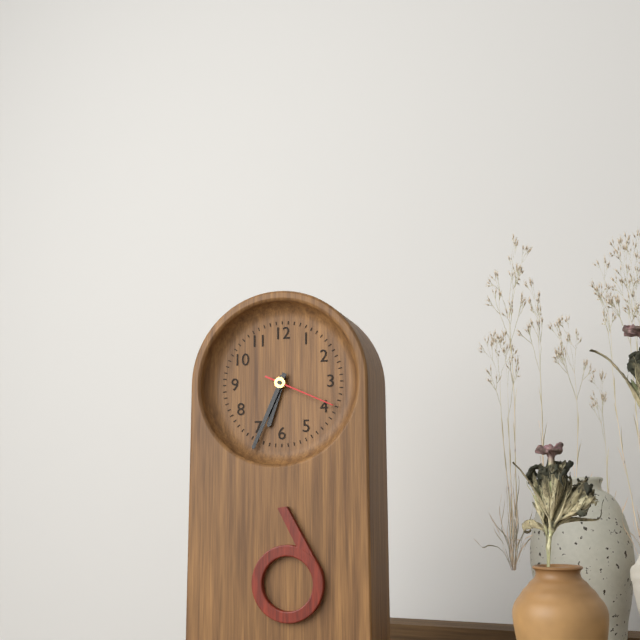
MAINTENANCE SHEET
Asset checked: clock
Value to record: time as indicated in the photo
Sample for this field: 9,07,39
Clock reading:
6,34,19
